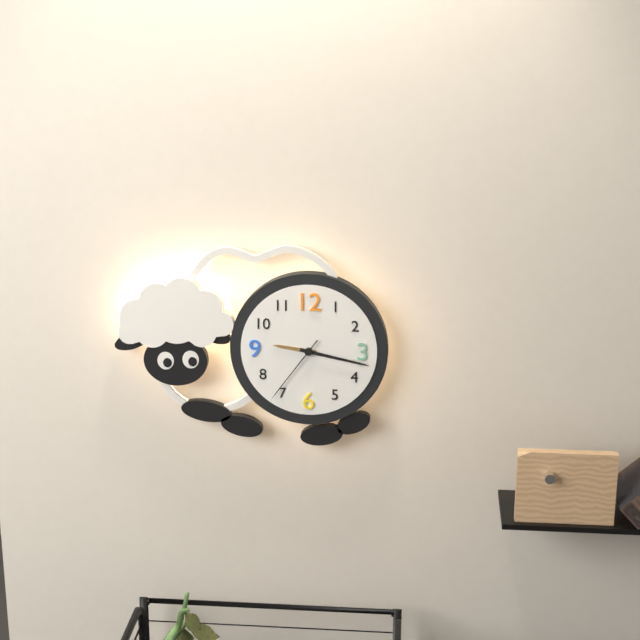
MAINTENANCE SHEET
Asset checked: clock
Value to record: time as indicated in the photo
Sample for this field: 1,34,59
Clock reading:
9,17,36
